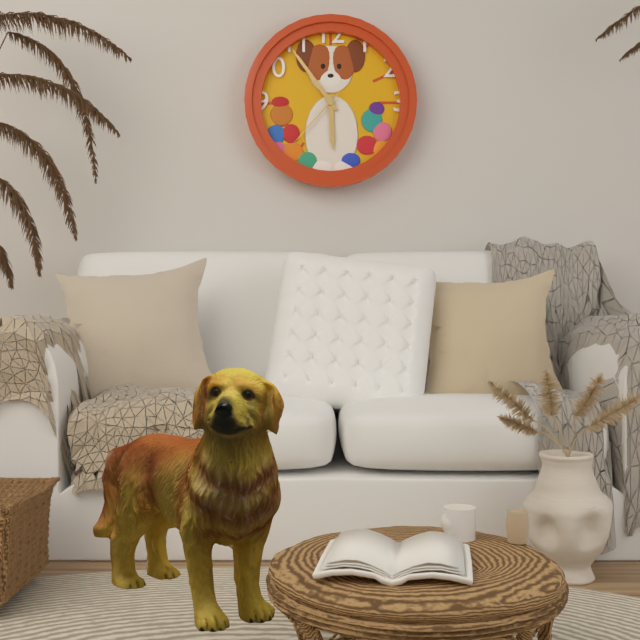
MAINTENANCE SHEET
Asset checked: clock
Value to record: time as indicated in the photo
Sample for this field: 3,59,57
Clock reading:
5,54,37
